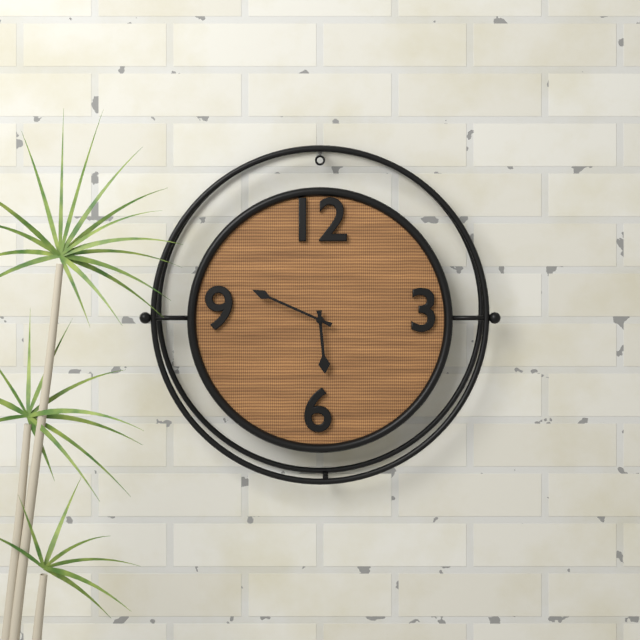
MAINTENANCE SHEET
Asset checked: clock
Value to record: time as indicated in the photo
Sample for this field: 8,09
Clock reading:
5,49
